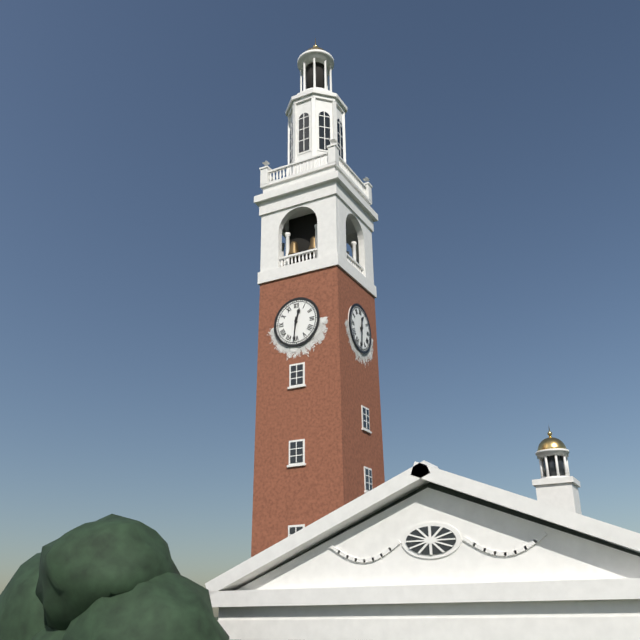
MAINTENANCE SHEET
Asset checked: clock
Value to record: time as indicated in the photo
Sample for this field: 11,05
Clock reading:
12,31
